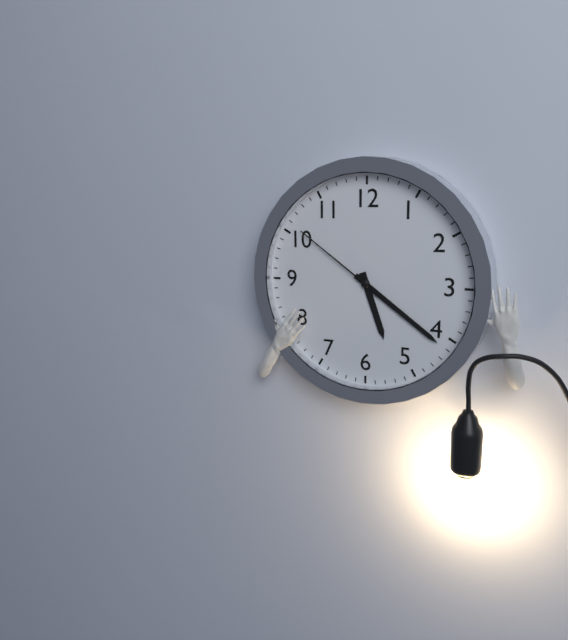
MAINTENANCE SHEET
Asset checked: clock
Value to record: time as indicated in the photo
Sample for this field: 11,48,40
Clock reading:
5,21,51
